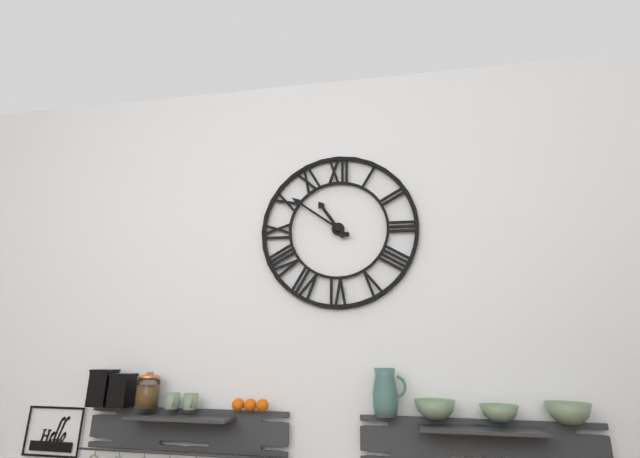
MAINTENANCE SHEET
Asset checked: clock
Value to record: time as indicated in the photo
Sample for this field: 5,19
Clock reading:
10,51
